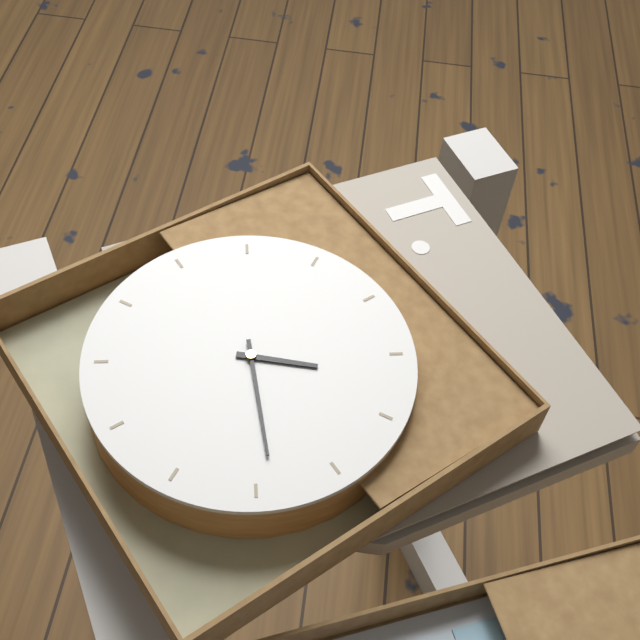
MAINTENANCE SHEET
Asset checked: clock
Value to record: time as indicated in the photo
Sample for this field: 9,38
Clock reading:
2,24
